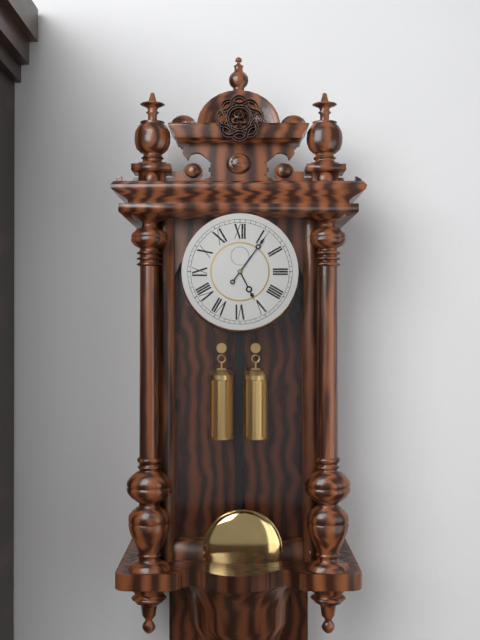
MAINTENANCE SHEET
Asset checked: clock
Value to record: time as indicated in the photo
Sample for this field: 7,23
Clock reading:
5,06
